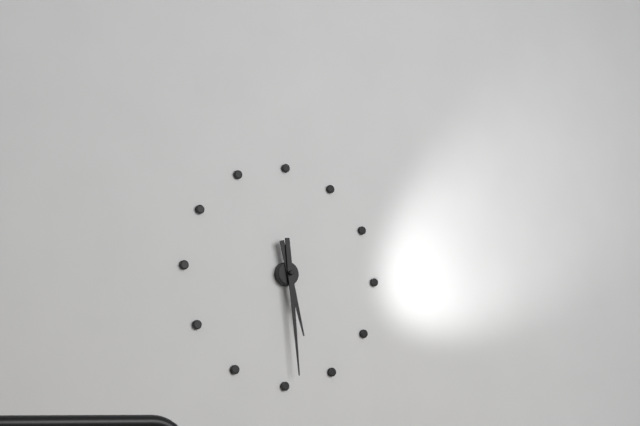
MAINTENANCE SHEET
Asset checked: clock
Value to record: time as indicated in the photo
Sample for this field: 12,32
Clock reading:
5,29
